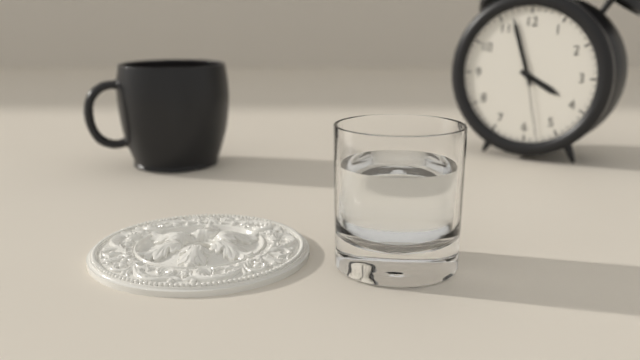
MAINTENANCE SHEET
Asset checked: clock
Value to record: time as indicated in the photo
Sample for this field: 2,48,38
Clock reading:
3,57,28
